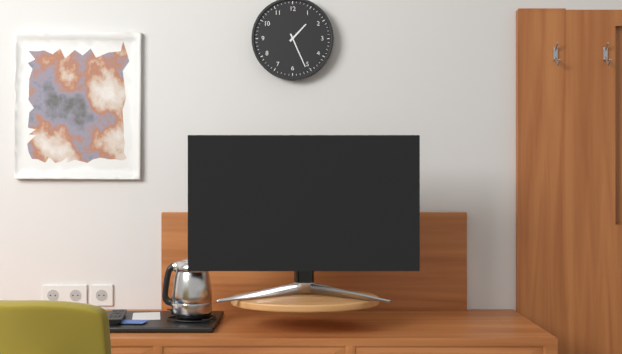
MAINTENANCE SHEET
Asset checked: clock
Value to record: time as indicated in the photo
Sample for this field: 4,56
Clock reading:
1,26
